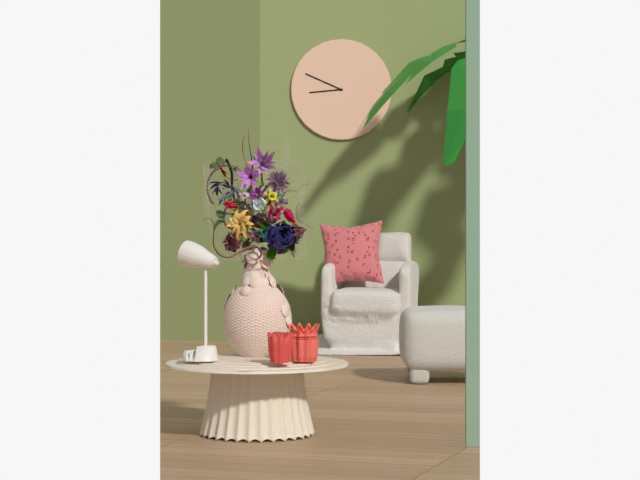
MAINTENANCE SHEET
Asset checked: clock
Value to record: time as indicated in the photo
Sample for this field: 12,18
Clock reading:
8,49
